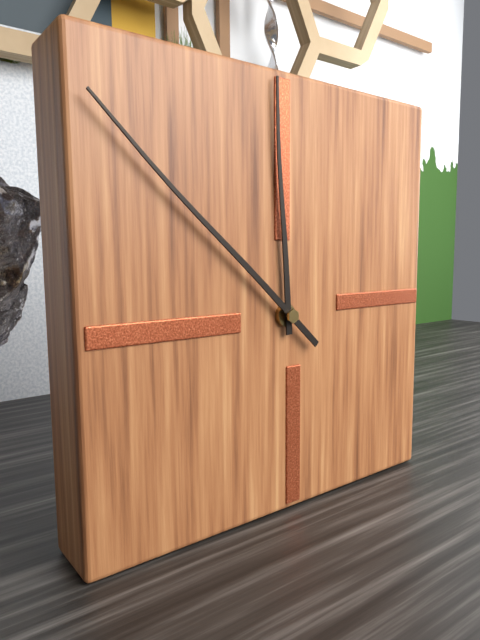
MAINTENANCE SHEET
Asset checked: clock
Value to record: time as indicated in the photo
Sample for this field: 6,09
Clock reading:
11,52
